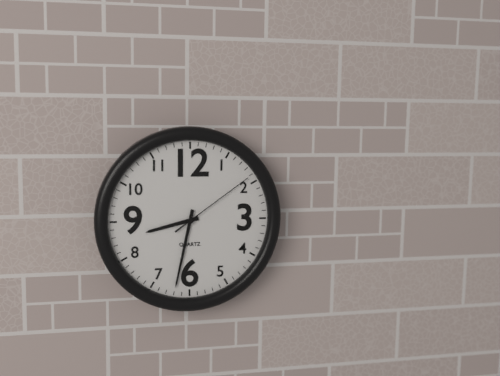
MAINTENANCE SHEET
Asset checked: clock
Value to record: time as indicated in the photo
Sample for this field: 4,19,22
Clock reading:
8,32,09
